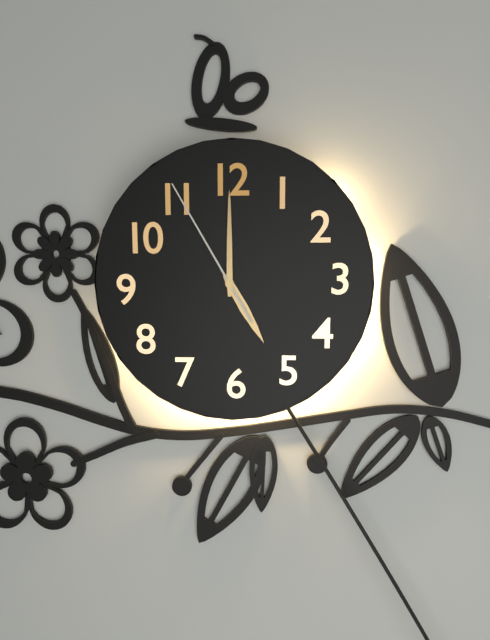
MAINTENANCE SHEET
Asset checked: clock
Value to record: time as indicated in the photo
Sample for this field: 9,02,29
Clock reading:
5,00,55
